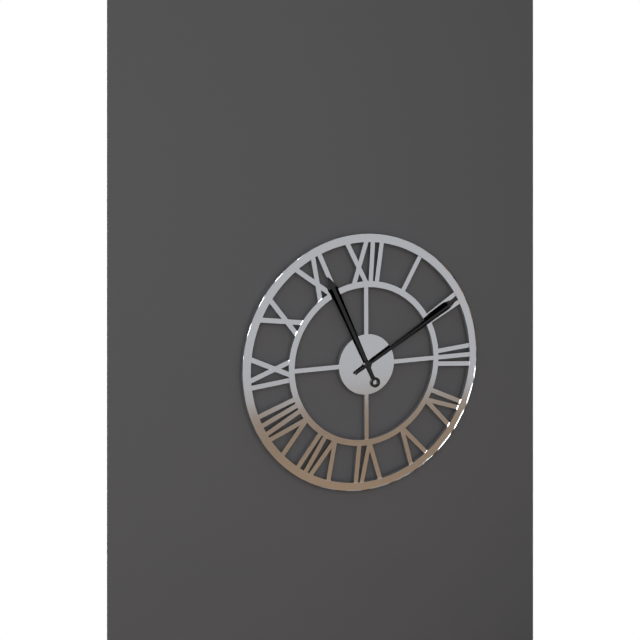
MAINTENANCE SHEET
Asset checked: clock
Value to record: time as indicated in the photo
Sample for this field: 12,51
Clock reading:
11,10
